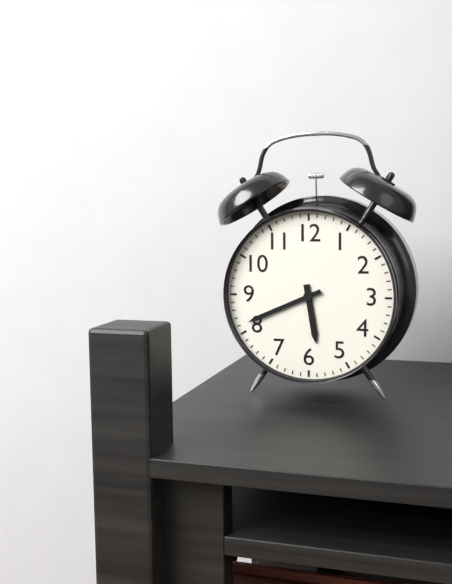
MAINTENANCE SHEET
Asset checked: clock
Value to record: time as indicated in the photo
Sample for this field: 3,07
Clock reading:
5,41
